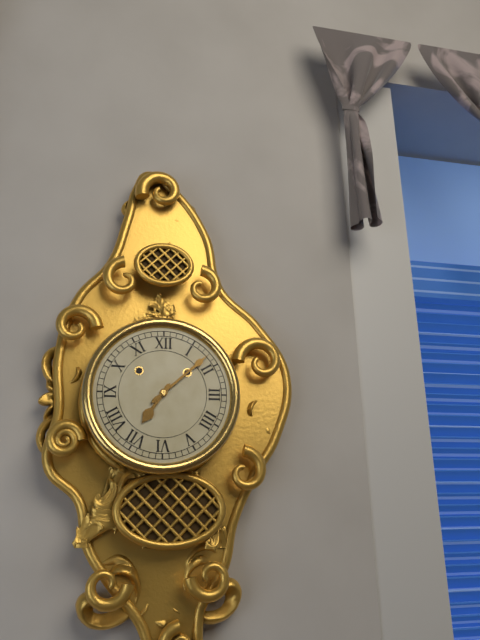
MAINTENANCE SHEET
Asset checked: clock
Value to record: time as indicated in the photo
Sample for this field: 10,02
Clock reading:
7,08
